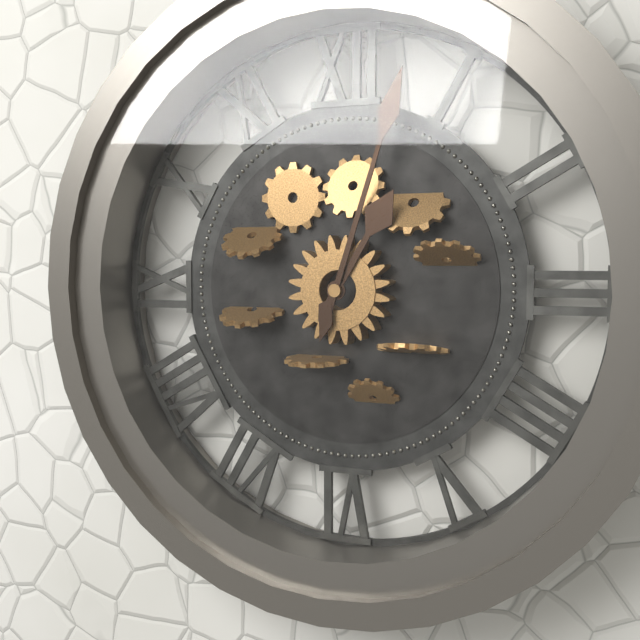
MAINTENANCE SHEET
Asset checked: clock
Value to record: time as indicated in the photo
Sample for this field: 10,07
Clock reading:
1,03
